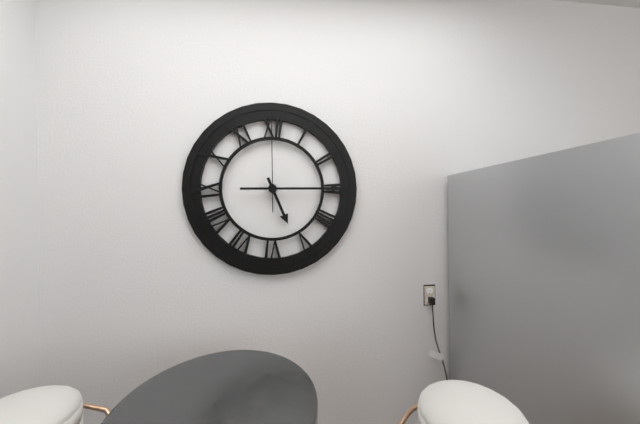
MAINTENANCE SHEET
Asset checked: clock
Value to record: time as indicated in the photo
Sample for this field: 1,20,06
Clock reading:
5,15,00
